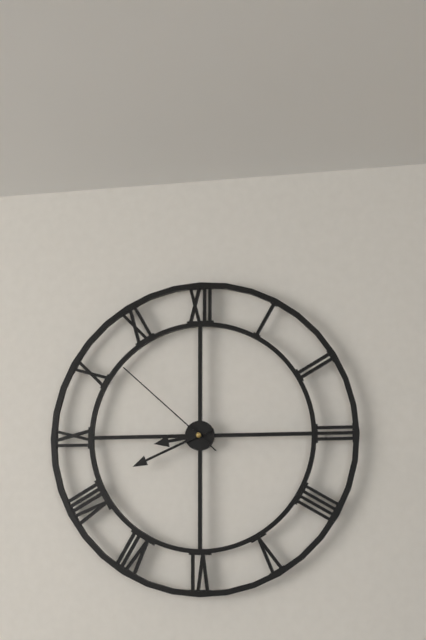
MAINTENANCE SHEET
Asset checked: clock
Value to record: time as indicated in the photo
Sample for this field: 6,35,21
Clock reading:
8,41,52
